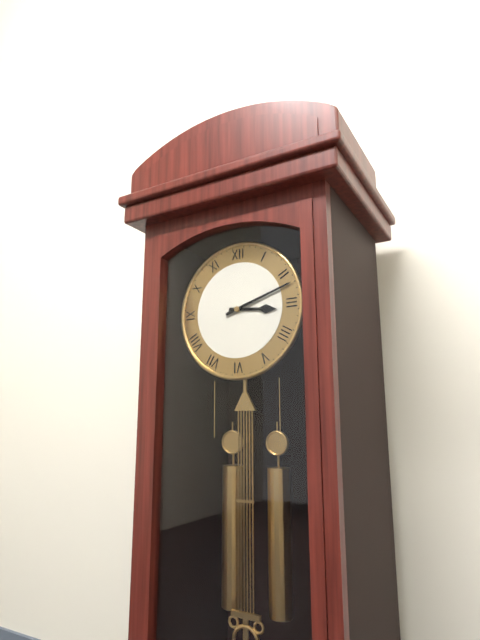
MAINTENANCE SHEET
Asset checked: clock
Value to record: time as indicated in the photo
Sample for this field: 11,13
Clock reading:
3,12
